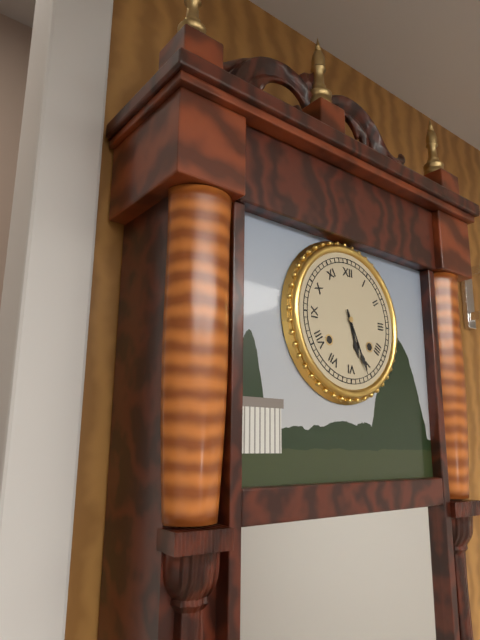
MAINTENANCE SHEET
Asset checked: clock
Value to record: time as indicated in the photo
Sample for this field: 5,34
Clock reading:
5,26
